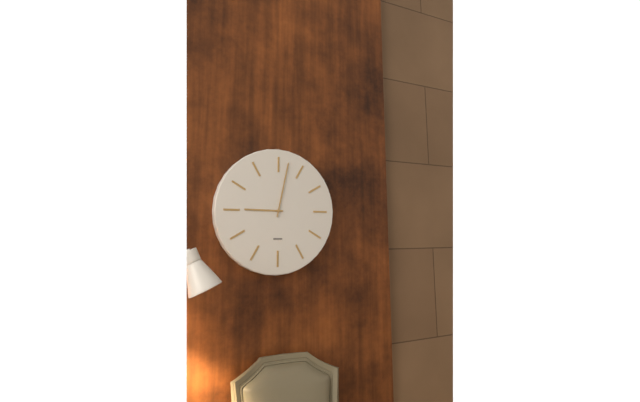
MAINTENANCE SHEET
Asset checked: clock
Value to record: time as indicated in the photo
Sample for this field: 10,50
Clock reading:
9,02
